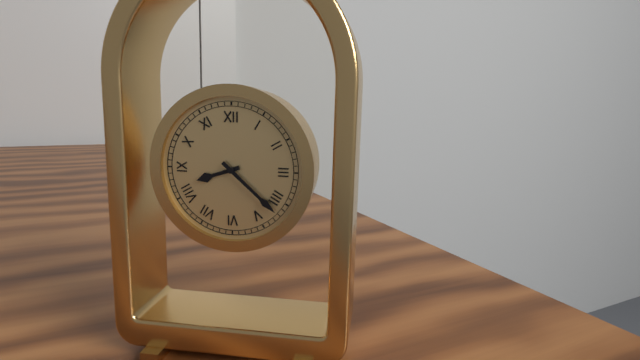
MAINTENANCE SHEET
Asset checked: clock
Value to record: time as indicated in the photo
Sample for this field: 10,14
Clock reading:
8,22
